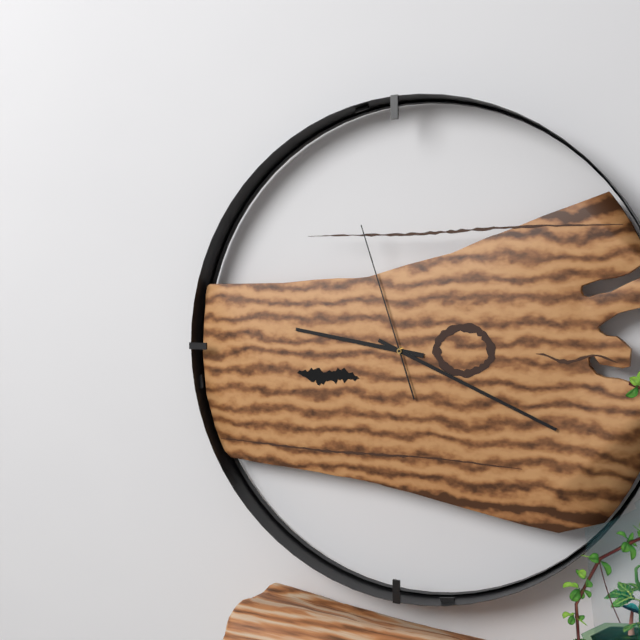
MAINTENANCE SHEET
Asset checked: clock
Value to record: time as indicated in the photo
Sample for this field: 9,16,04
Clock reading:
9,19,57
